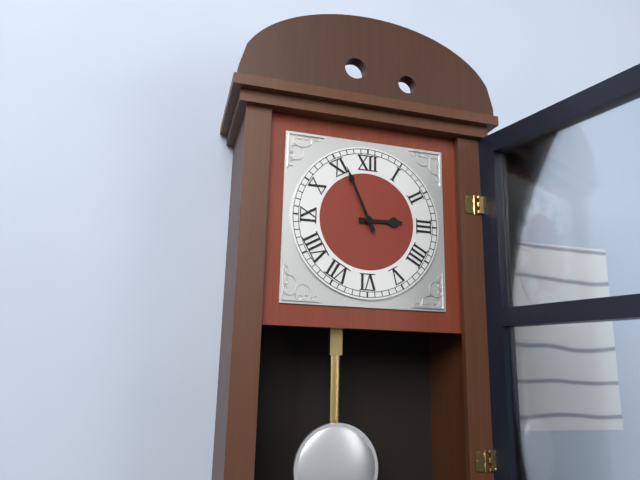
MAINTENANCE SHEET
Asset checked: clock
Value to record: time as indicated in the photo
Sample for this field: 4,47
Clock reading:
2,56
